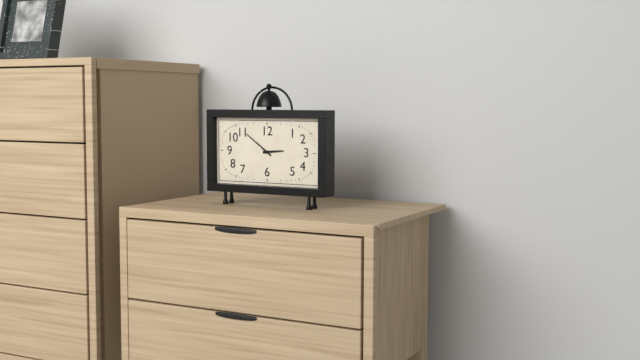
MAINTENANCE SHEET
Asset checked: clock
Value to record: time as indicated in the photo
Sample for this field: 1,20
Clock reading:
2,51
